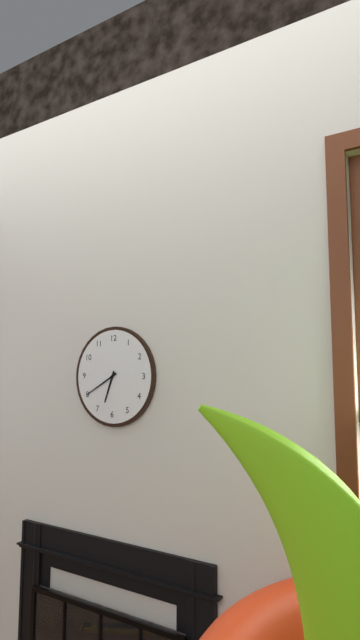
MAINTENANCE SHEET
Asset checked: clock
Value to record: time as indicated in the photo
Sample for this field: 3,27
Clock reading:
6,40
